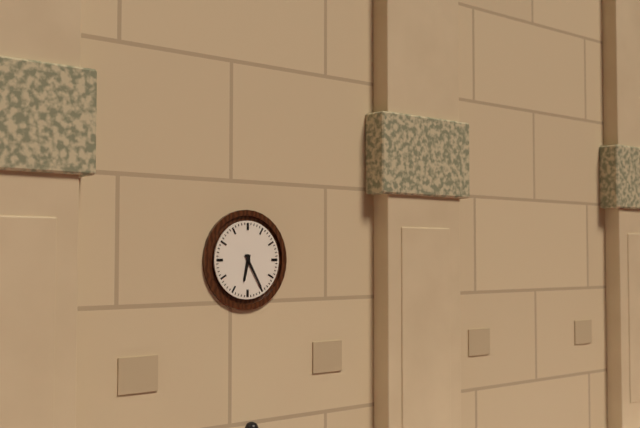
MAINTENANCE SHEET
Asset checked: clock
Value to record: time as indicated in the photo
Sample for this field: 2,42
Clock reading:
6,25
